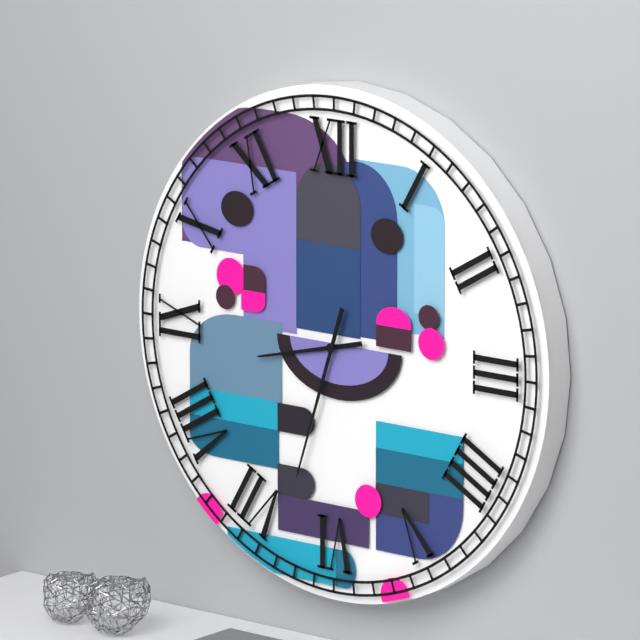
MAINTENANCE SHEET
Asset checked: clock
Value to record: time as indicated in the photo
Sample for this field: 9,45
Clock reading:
8,33
